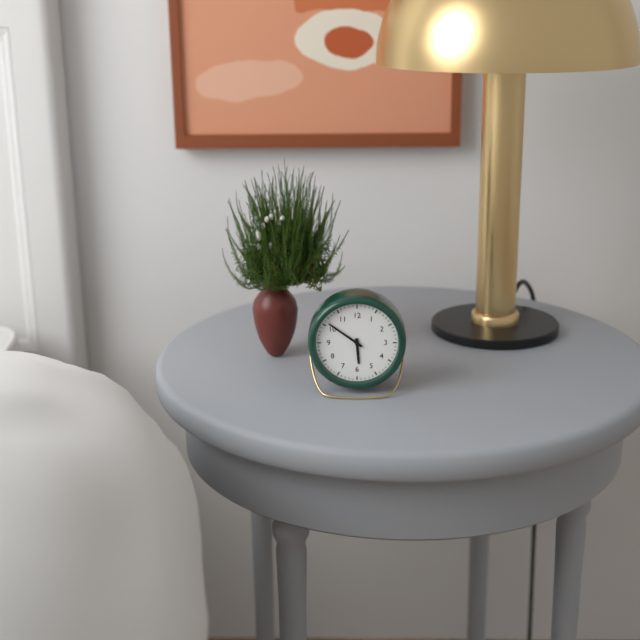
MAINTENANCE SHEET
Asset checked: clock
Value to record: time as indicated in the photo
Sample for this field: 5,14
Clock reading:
5,51
